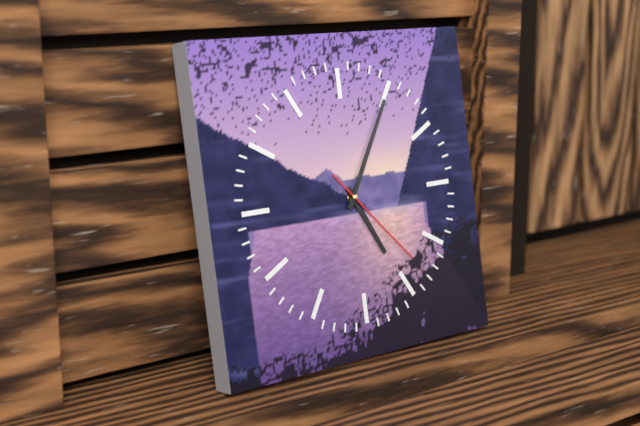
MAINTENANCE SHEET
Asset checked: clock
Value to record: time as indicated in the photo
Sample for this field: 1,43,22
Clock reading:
5,05,23
